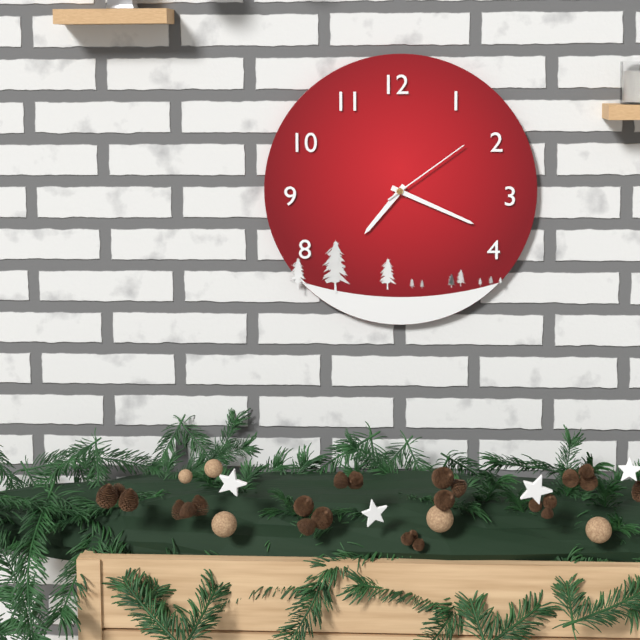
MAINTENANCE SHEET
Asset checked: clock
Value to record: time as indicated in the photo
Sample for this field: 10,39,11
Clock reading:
7,19,09
